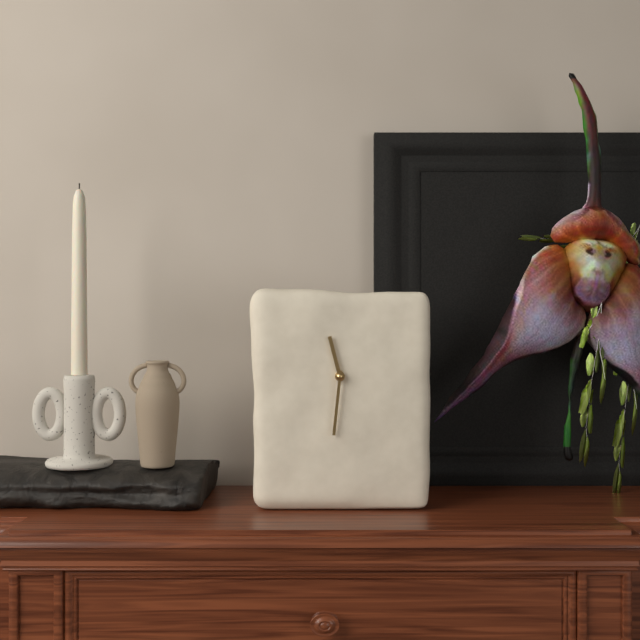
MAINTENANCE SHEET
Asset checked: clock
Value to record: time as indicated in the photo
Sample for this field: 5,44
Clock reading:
11,31
